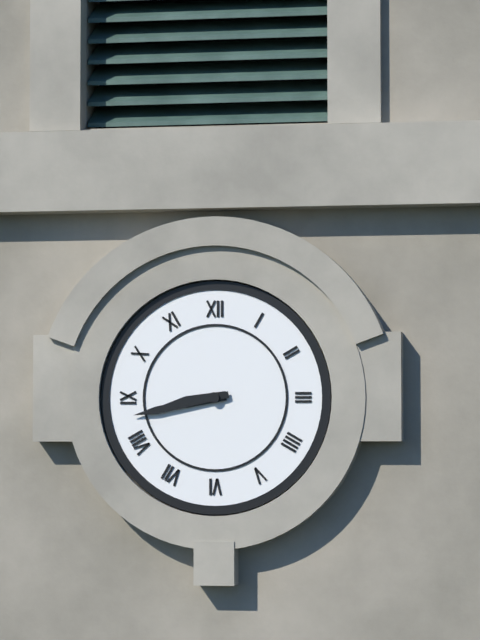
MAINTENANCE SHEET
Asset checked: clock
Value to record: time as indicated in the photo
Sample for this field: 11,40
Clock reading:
8,43
